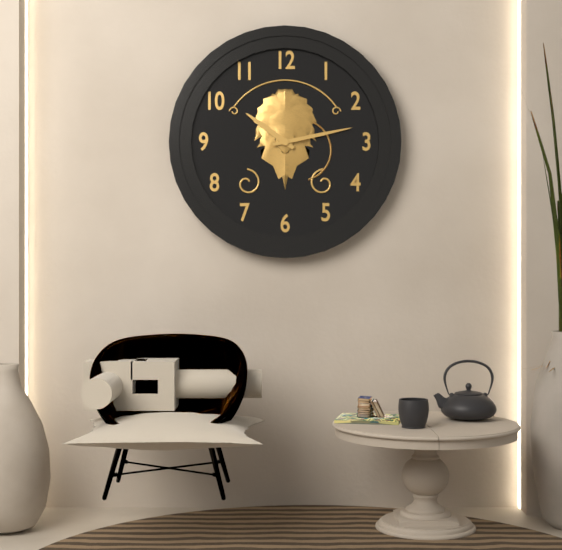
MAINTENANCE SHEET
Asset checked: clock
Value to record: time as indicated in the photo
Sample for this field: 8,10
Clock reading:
10,13
